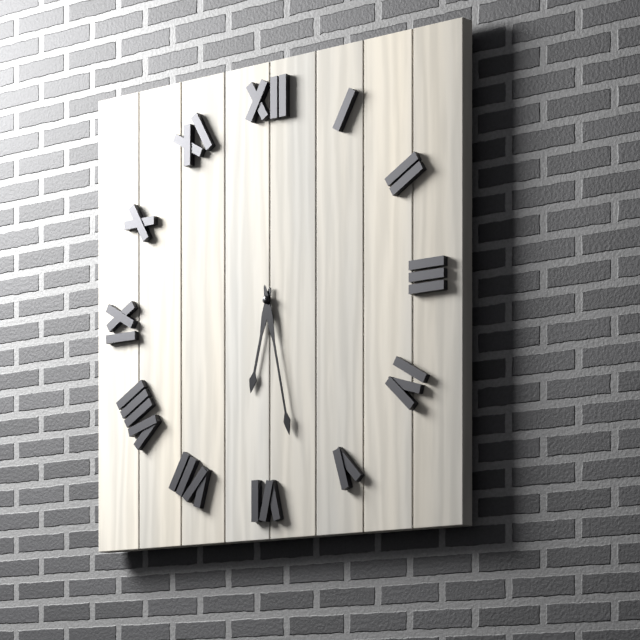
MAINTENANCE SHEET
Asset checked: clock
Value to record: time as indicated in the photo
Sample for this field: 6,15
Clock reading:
6,28
